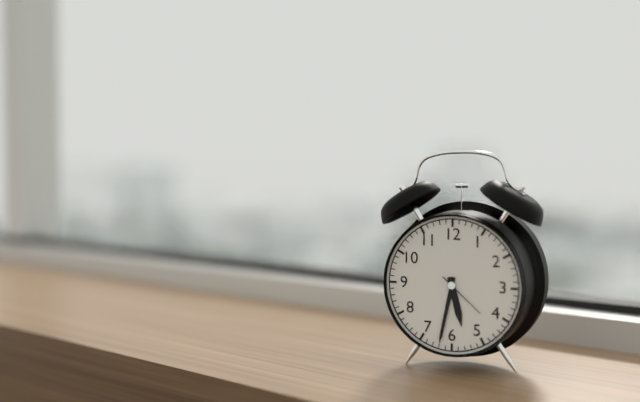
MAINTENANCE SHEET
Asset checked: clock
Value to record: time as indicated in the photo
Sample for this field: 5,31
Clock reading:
5,32
